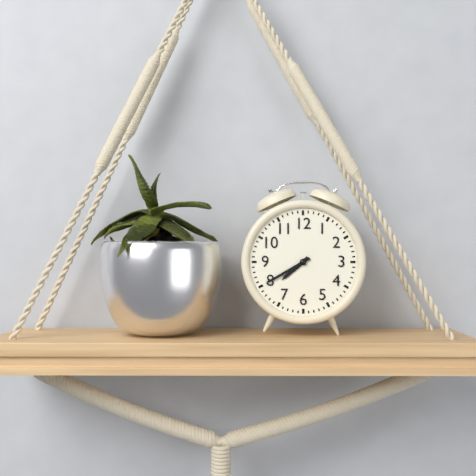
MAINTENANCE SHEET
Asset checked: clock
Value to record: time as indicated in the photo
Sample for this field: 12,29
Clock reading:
7,40
